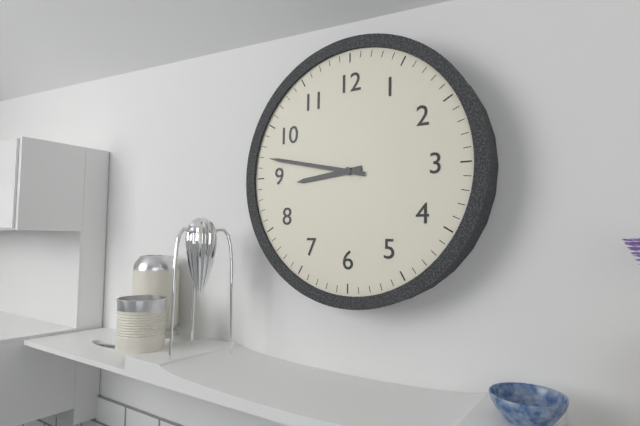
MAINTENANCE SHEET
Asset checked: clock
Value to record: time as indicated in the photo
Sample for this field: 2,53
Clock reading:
8,47
